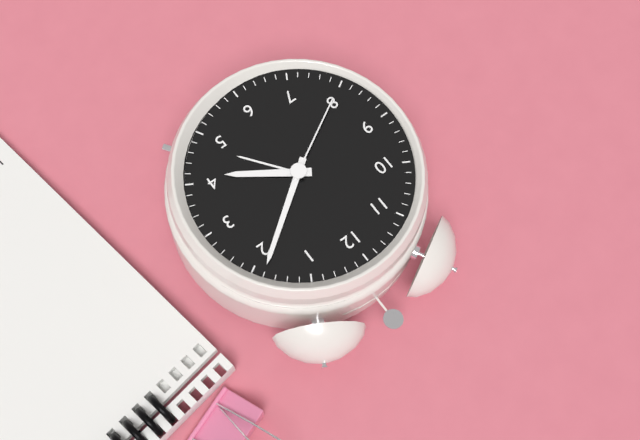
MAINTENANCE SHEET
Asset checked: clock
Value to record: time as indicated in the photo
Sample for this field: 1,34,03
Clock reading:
4,09,40
